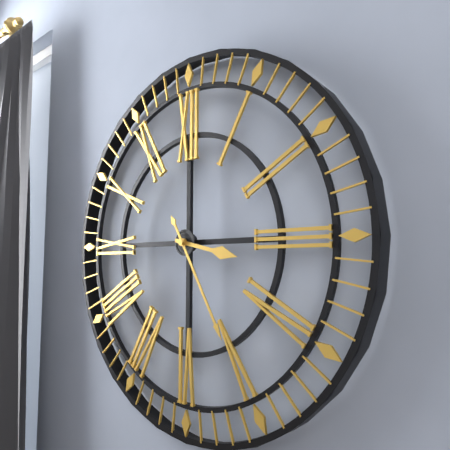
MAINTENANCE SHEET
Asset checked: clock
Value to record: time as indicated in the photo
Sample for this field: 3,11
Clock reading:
3,25
